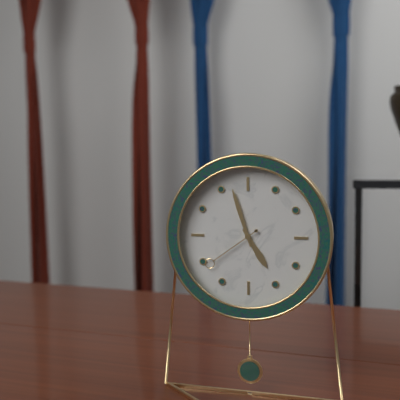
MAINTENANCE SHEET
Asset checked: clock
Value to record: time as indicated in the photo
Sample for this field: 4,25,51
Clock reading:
4,57,39
